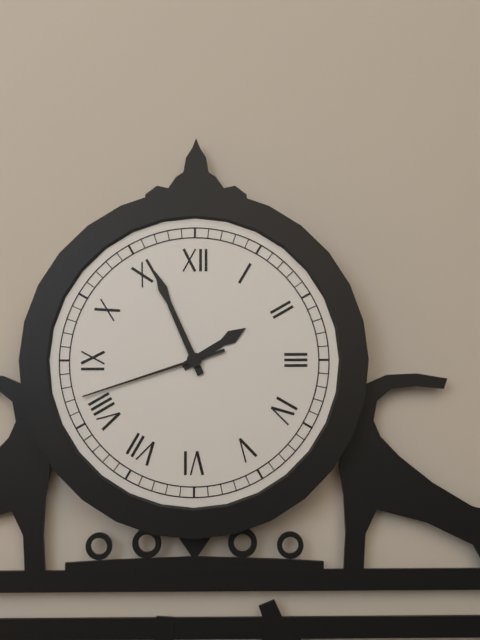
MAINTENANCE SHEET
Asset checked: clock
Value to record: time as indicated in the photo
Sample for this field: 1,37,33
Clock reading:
1,56,42
